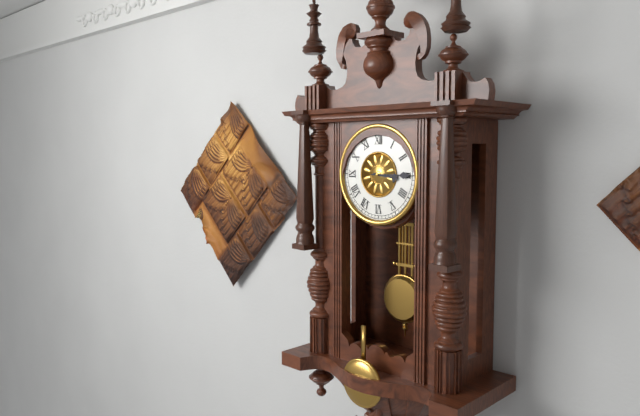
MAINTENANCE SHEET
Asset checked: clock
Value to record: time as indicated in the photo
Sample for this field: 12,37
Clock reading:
3,15
